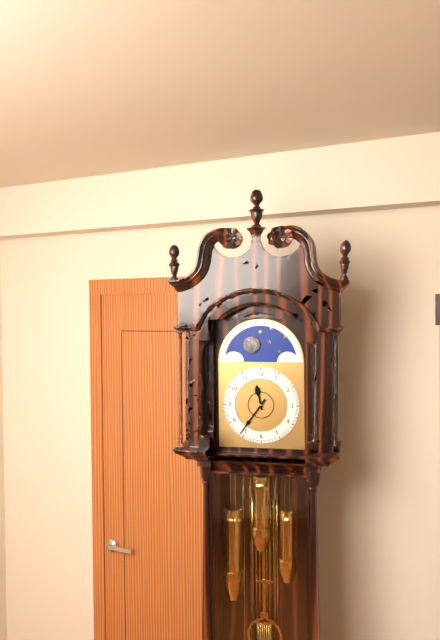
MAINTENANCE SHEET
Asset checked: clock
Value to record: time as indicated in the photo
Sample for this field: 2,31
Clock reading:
11,36
